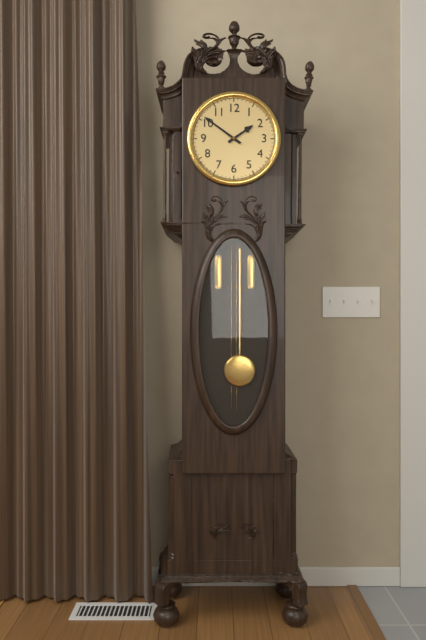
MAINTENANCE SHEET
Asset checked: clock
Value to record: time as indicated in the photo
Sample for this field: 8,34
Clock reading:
1,51
